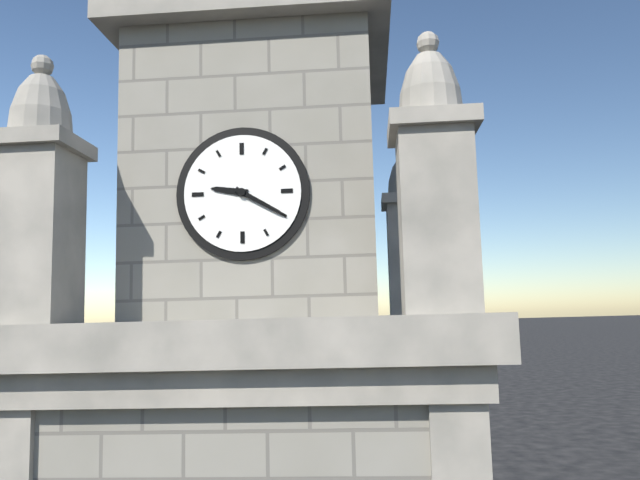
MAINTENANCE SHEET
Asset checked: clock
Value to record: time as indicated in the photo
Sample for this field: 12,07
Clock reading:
9,20
